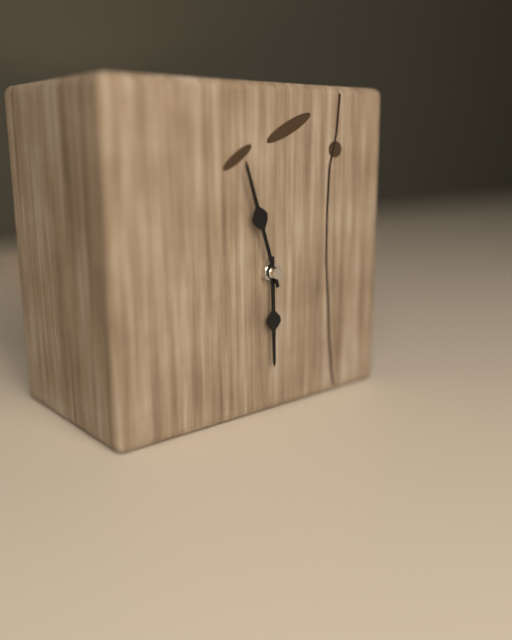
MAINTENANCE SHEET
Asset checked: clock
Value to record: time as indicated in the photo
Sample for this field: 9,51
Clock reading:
5,57
